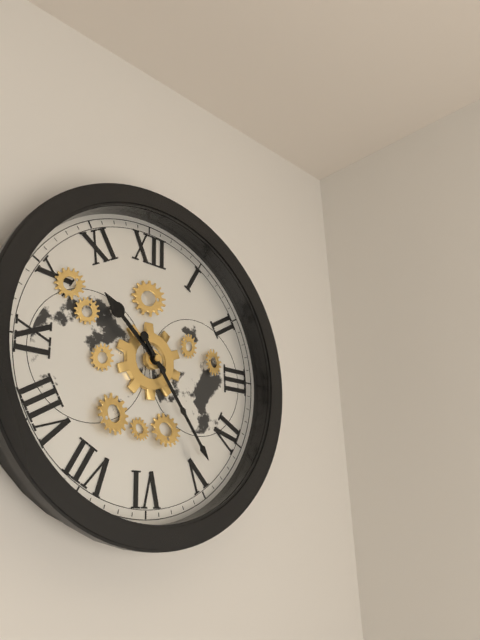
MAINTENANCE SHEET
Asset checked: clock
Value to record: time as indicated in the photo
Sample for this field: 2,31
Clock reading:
10,24
